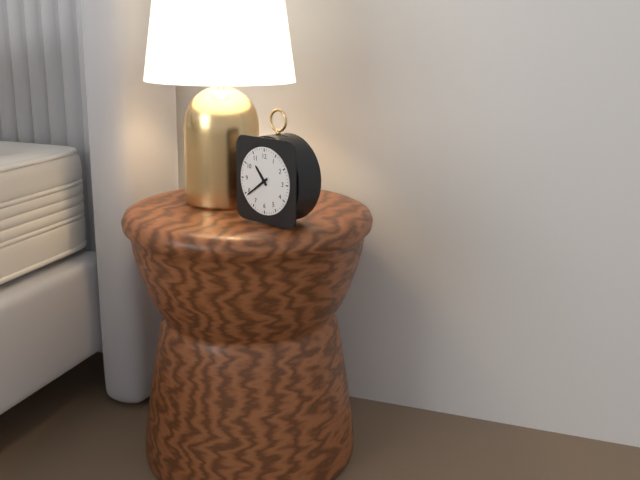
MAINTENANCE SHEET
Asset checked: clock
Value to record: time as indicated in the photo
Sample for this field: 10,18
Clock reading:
10,39
